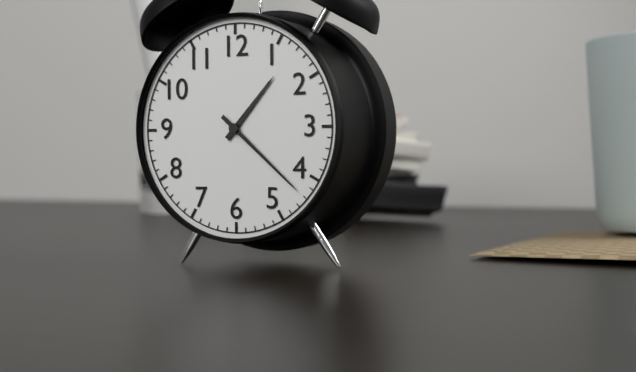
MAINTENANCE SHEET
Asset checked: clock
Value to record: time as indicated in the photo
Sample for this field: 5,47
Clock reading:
1,22
